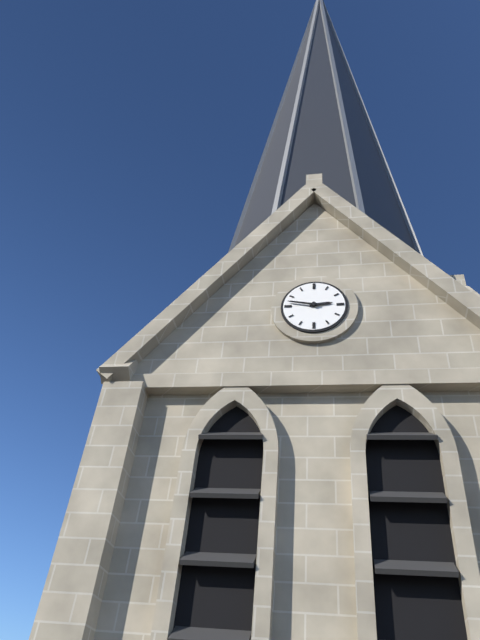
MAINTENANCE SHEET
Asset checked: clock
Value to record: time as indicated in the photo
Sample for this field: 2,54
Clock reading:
2,47
